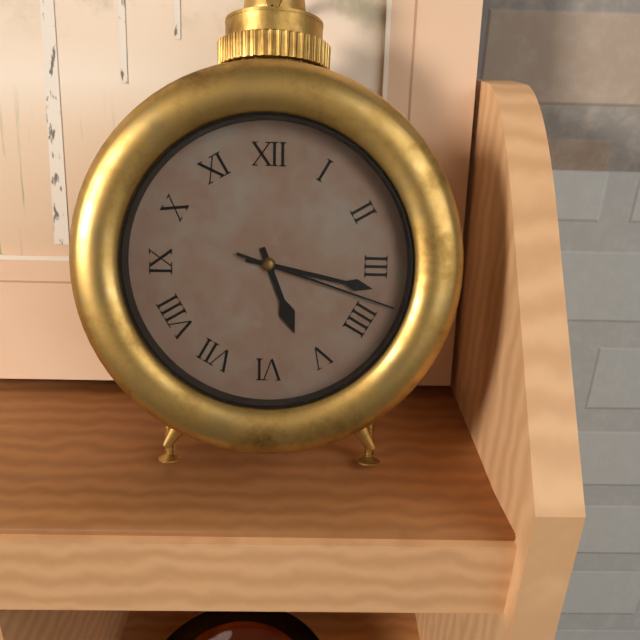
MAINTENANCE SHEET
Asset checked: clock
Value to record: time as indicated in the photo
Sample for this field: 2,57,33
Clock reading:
5,17,18
